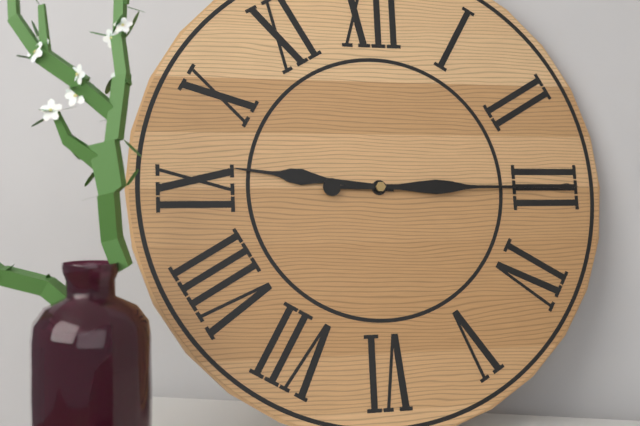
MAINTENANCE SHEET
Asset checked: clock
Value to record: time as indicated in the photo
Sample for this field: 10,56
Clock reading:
9,15
